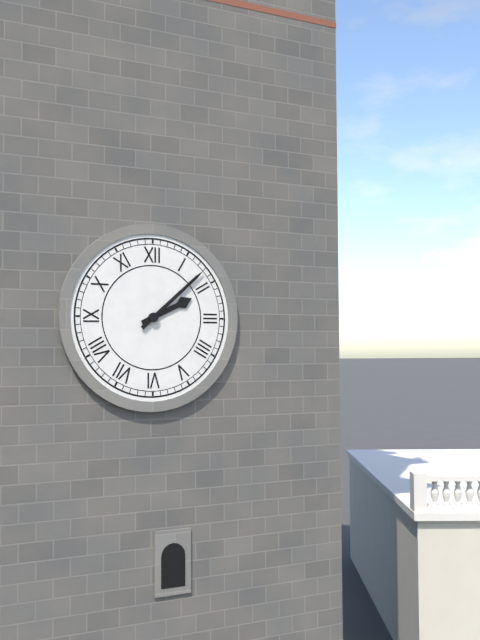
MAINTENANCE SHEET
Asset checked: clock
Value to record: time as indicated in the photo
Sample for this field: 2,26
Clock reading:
2,08
